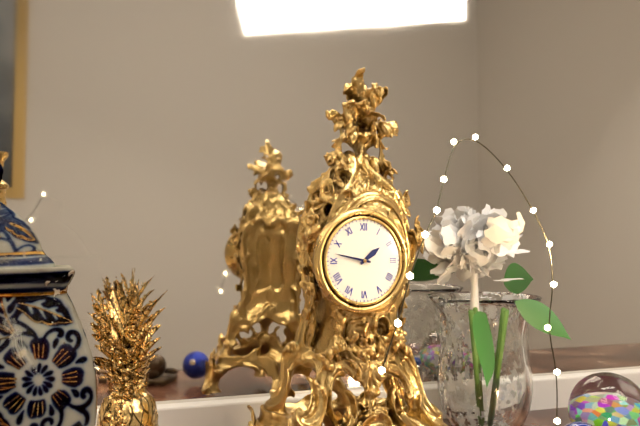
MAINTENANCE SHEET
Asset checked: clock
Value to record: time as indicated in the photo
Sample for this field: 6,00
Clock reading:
1,47
